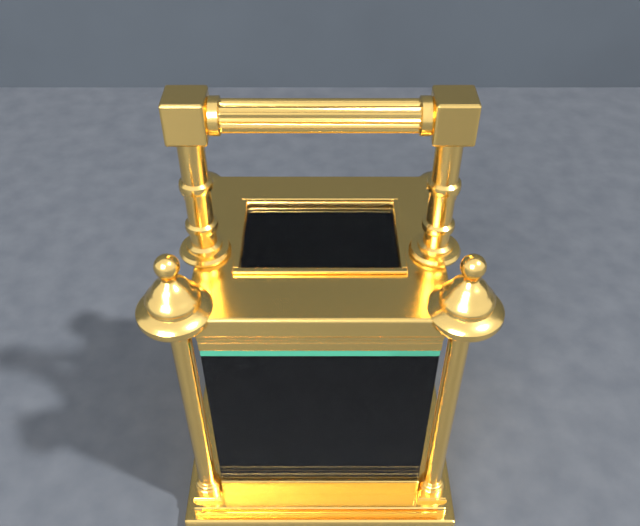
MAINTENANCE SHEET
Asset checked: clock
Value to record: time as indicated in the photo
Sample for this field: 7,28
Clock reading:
10,50
